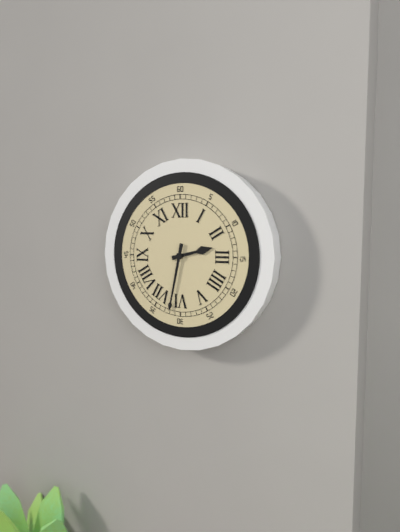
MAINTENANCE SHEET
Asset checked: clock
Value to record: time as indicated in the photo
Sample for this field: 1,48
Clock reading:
2,32
